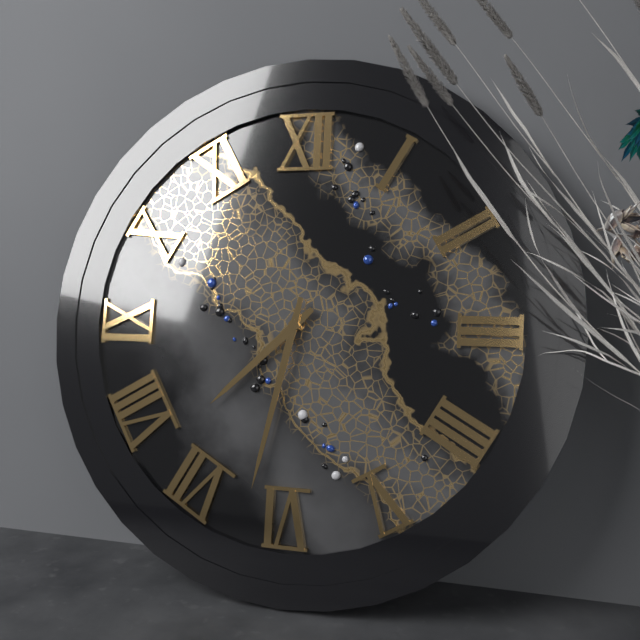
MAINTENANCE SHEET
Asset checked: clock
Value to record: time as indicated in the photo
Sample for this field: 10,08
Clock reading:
7,32
